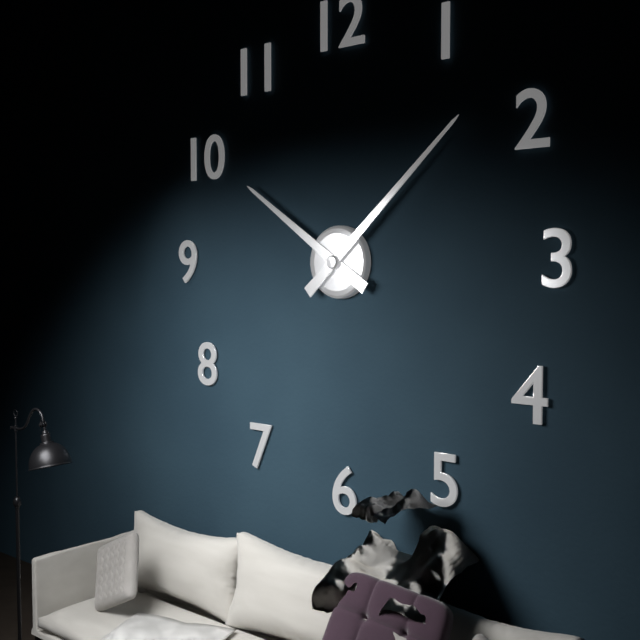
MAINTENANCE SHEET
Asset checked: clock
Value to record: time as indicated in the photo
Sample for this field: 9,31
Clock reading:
10,08
